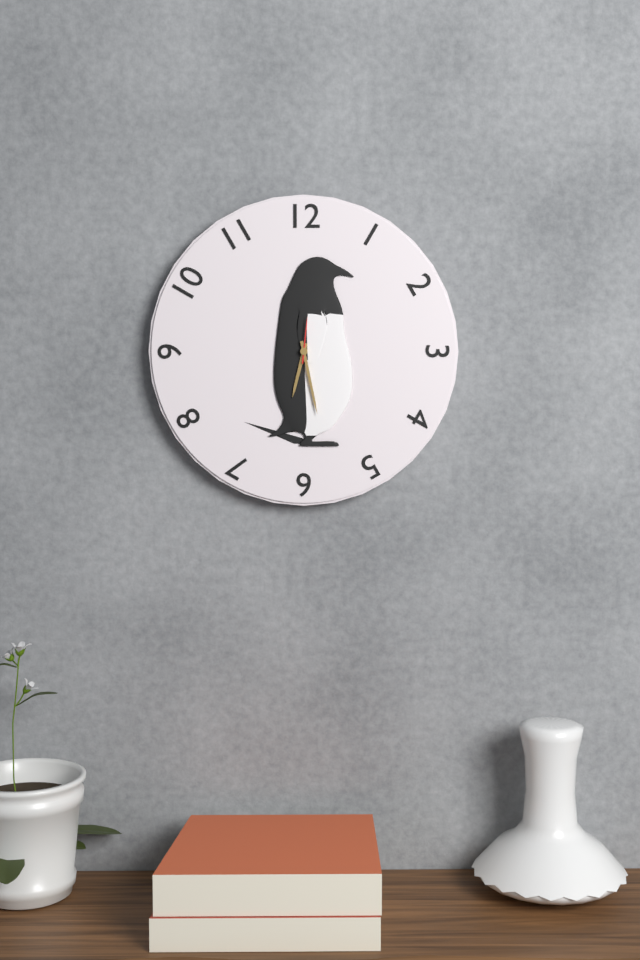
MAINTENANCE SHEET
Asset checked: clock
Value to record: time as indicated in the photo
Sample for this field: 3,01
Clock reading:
6,28
